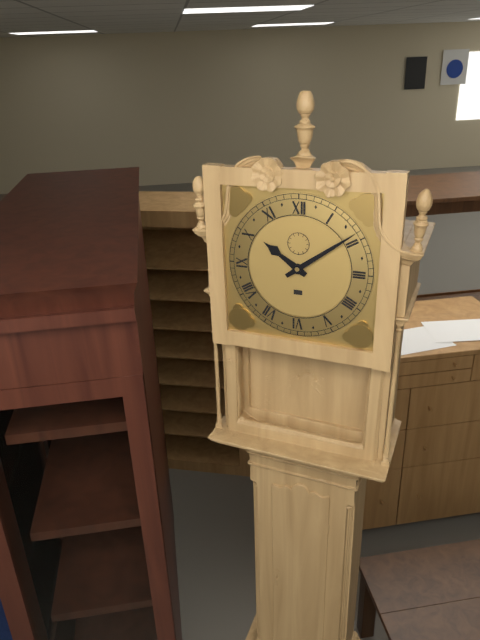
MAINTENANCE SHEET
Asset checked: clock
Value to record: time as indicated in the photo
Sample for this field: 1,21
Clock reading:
10,09
